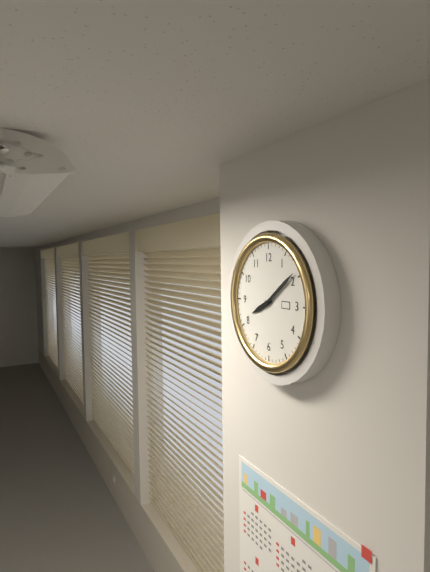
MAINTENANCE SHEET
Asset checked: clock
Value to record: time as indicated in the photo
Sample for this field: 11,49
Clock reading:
8,09
